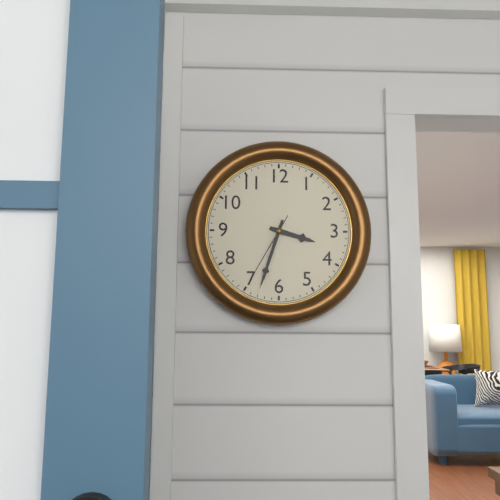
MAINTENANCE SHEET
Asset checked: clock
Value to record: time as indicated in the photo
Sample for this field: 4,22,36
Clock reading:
3,33,35
